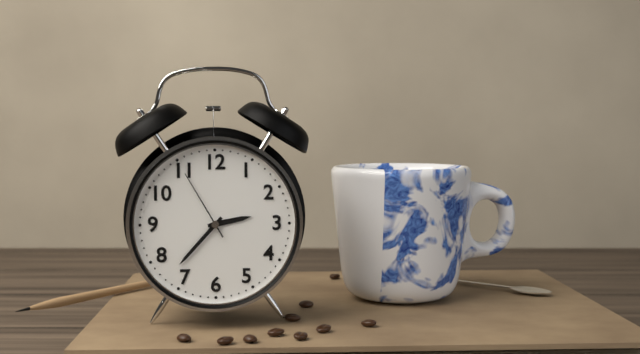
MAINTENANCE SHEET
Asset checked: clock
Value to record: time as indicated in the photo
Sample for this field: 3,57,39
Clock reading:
2,37,55
